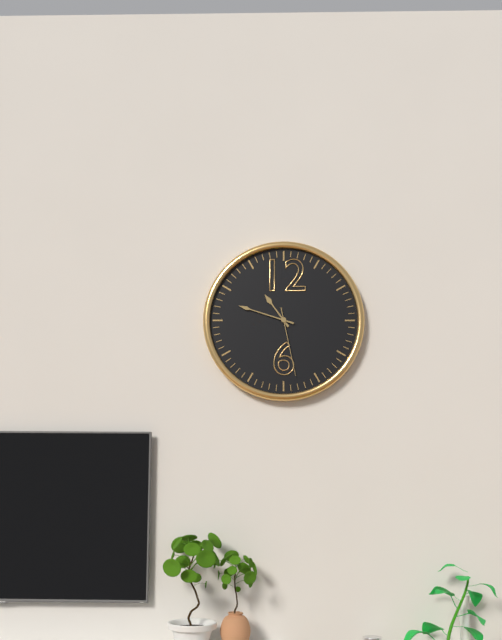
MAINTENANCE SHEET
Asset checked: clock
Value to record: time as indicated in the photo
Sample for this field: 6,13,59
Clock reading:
10,48,28
